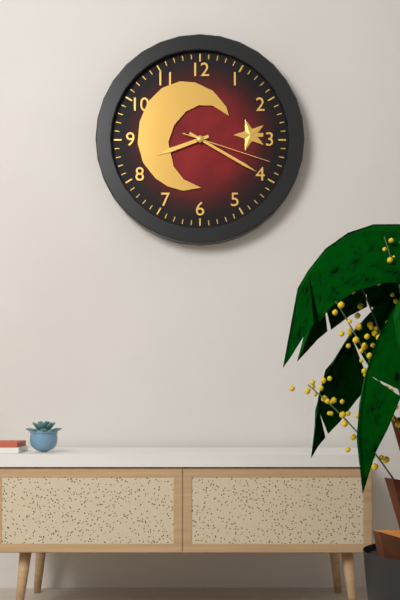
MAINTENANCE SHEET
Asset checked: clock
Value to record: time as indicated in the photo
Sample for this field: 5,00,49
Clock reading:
8,20,18
